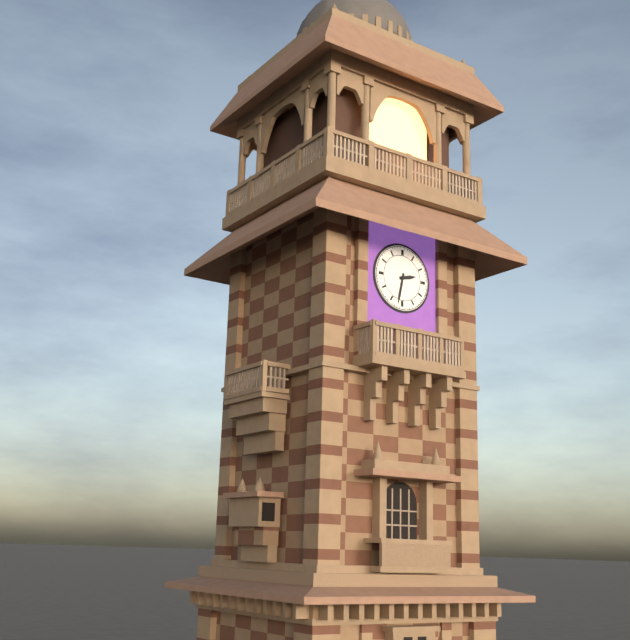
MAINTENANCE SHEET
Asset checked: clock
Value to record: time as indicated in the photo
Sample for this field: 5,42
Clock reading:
2,32
